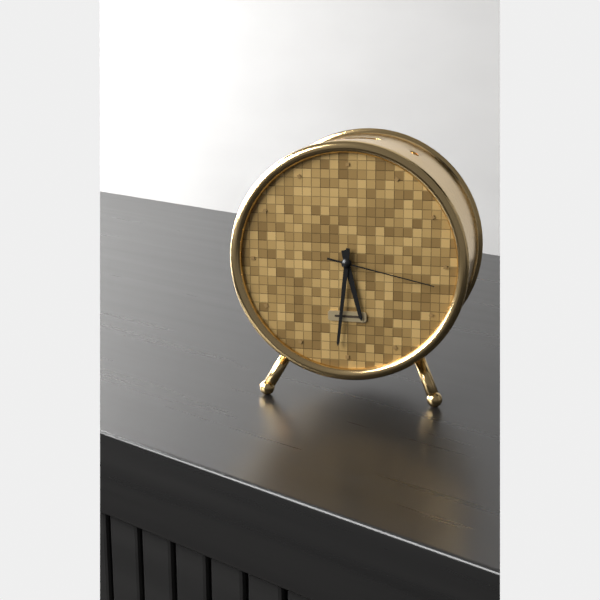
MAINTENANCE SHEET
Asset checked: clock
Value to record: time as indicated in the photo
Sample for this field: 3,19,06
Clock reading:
5,31,17
